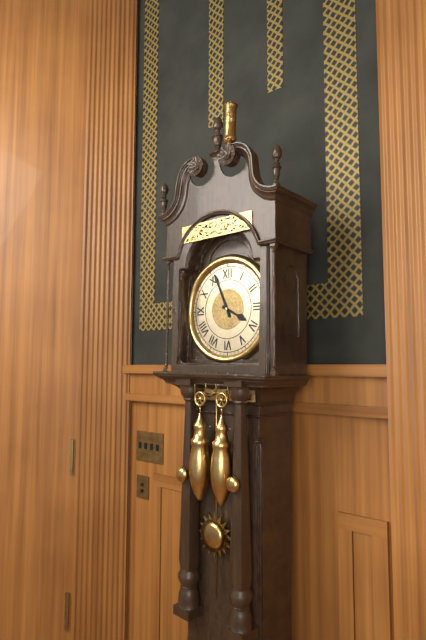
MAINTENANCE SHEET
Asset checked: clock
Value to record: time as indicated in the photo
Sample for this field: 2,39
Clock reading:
3,56
